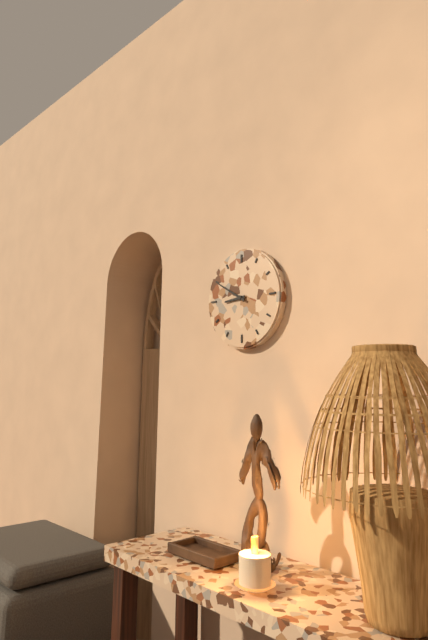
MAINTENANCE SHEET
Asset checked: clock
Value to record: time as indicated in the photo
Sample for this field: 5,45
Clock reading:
8,50
